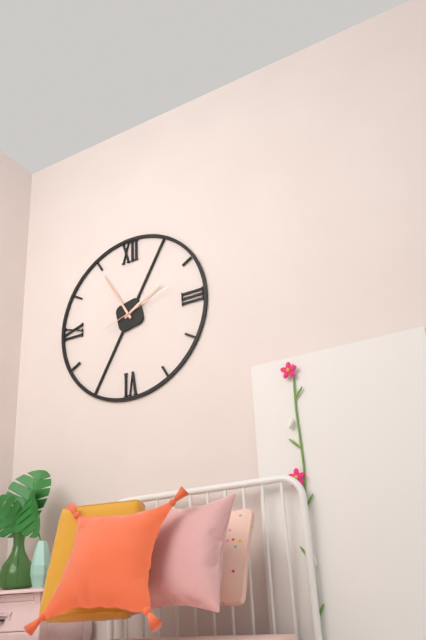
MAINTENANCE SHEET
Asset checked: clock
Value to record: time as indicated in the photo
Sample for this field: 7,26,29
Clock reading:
1,55,12
